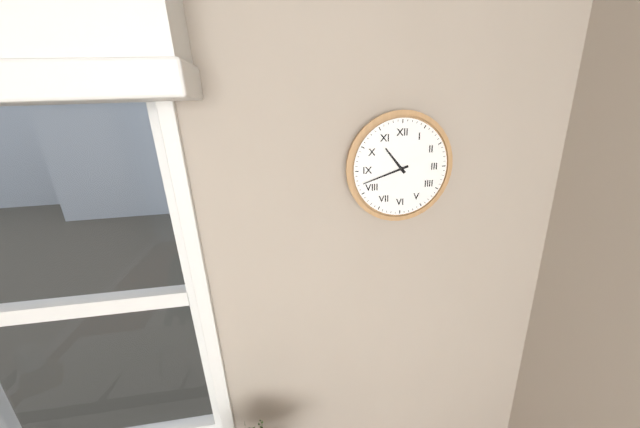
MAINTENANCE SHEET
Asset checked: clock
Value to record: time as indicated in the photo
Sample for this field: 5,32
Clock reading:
10,42
